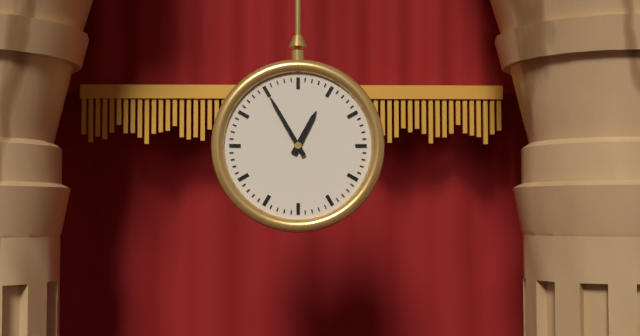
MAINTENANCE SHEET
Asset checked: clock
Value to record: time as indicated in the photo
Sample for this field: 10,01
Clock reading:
12,55
